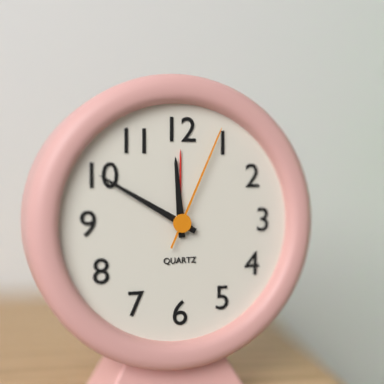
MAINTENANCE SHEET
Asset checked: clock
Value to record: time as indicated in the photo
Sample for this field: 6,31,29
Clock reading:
11,50,04
